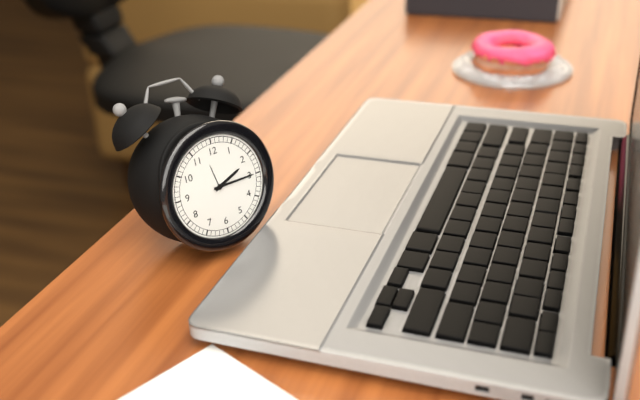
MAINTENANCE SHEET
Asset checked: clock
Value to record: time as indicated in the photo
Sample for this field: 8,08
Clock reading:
2,15
